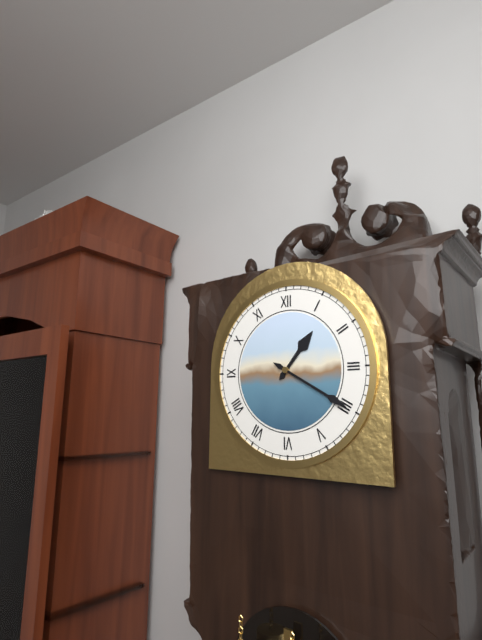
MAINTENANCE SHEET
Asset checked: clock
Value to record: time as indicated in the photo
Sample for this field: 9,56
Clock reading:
1,20
